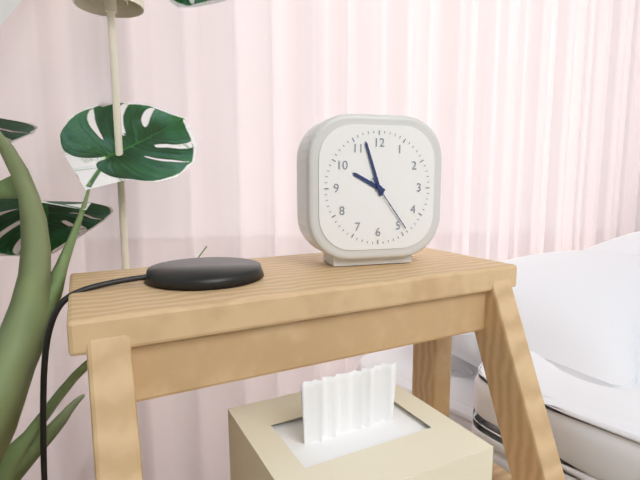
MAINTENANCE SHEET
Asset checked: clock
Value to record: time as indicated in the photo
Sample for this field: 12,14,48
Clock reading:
9,57,24
